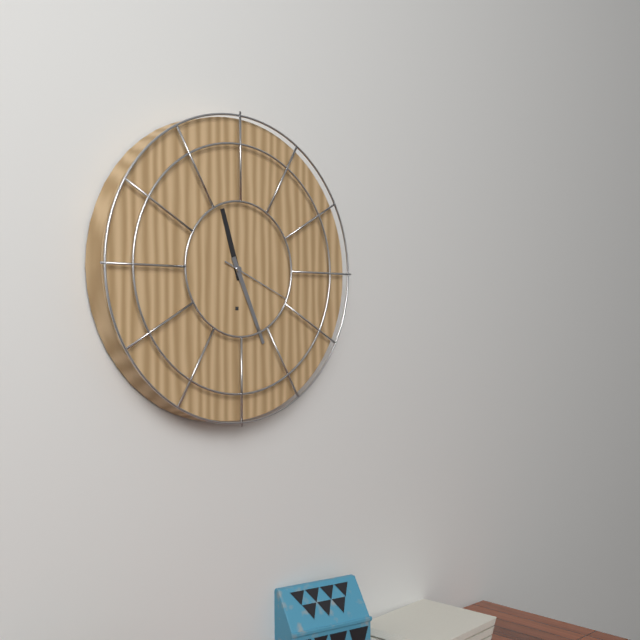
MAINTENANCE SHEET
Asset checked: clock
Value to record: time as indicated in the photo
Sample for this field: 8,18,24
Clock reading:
11,26,19
